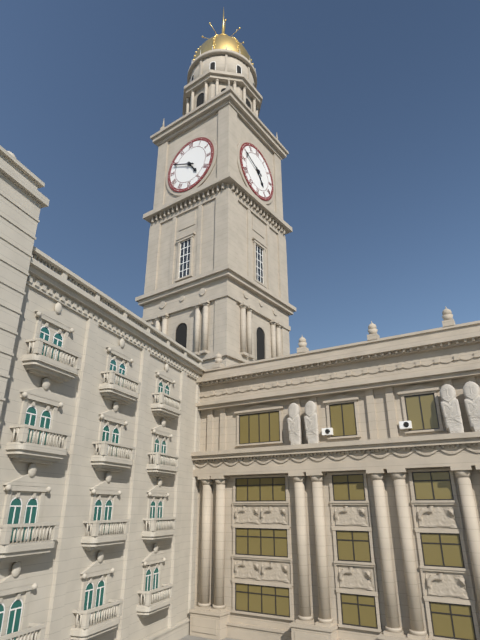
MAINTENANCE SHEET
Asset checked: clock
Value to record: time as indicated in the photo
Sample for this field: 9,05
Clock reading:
4,49
